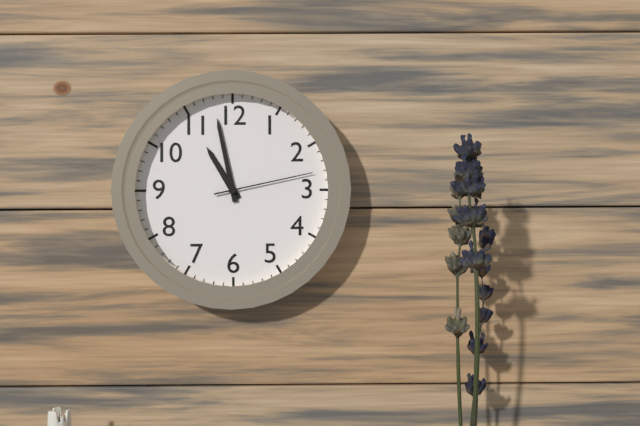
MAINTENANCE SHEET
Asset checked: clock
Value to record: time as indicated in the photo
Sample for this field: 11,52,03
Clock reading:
10,58,13
